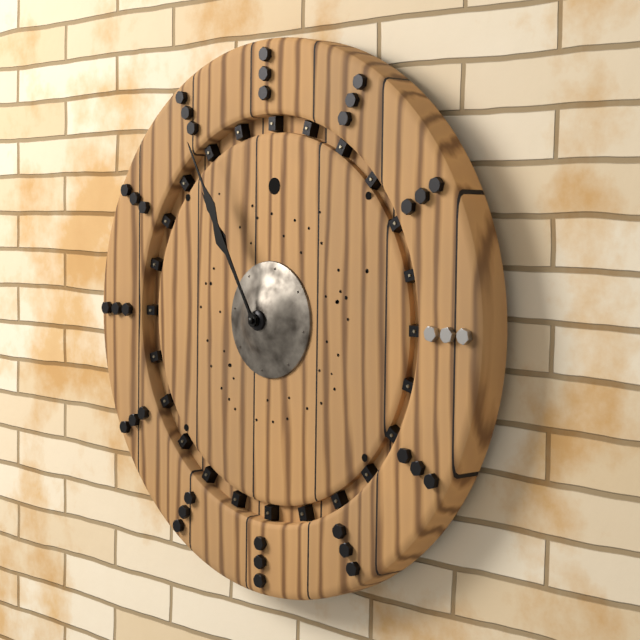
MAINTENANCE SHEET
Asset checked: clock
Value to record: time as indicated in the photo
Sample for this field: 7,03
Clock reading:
10,55
